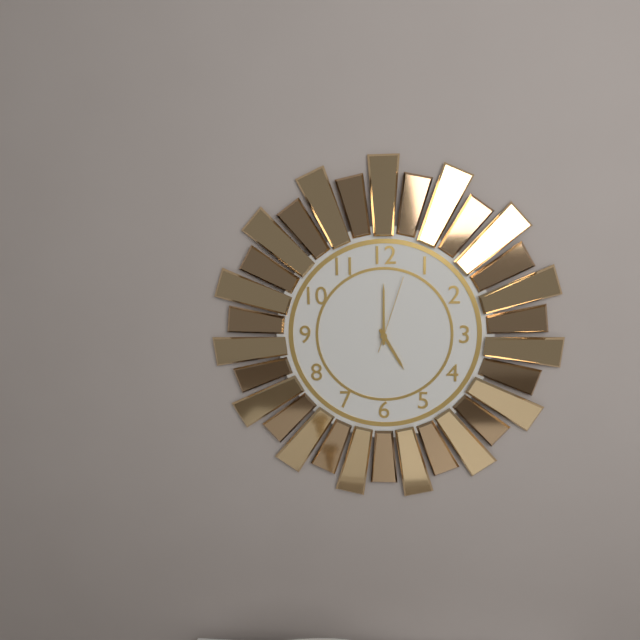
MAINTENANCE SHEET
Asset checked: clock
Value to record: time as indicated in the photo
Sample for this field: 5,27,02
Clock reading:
5,00,03
